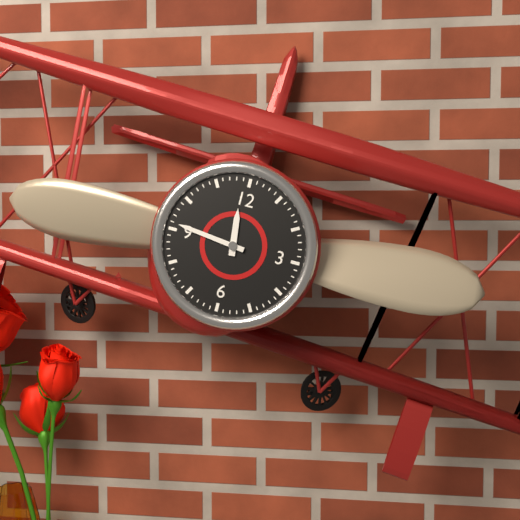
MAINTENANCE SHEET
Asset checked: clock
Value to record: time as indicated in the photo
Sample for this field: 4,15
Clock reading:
11,46
